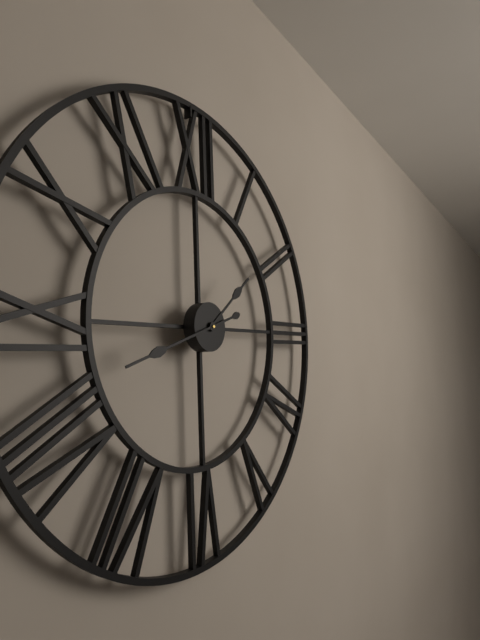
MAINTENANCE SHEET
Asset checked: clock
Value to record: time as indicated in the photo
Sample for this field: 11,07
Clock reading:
1,42
